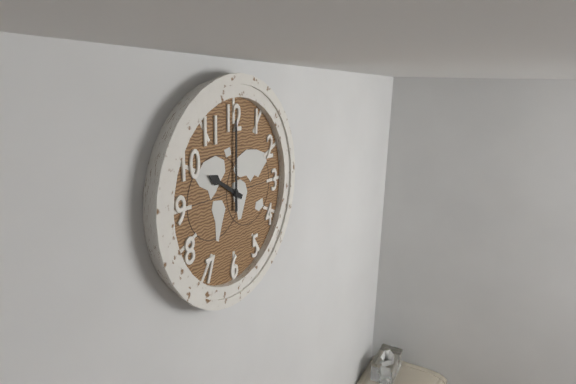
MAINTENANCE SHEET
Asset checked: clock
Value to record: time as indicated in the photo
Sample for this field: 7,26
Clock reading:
10,00
